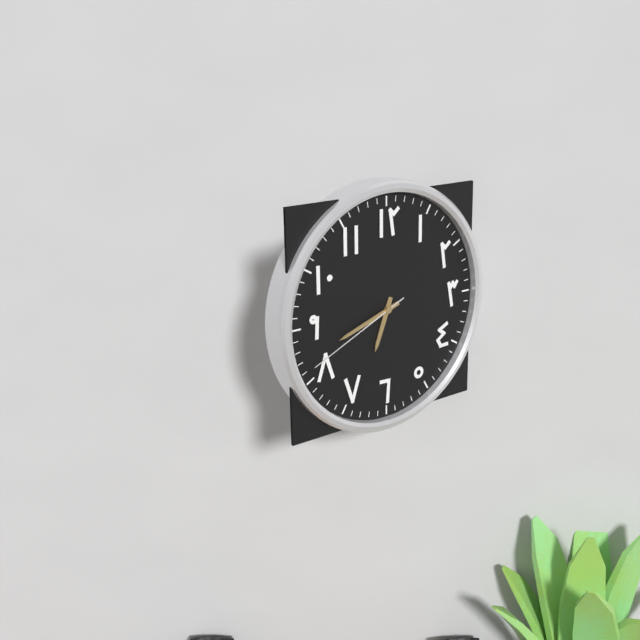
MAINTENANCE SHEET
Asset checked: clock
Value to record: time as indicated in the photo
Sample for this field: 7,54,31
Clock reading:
6,42,41
